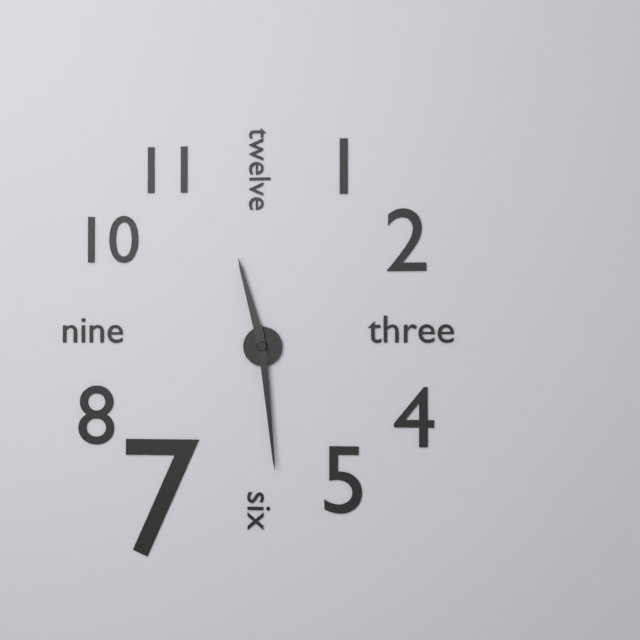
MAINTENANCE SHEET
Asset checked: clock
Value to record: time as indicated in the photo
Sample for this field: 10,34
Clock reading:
11,29
